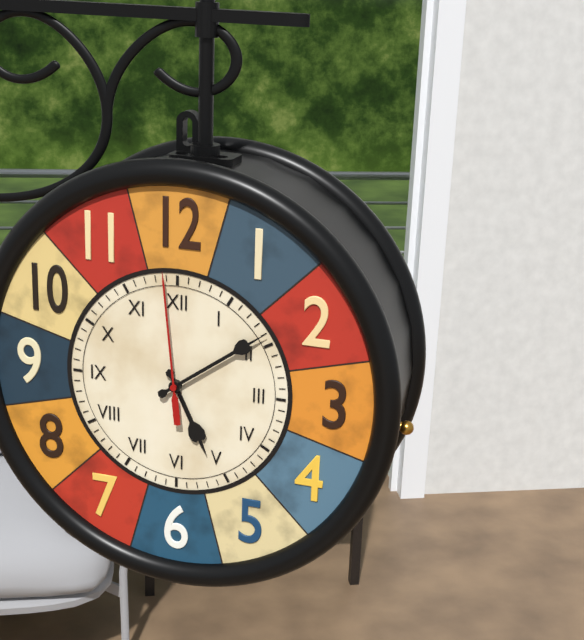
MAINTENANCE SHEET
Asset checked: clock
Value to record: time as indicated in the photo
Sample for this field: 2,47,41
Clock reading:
5,09,59
